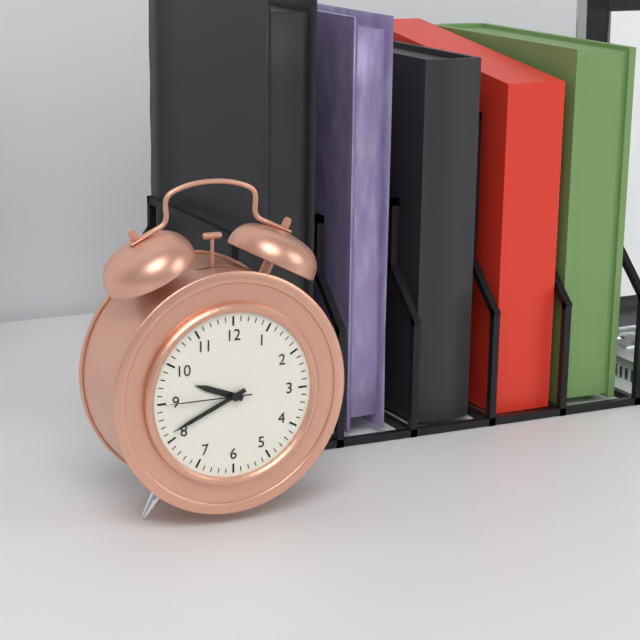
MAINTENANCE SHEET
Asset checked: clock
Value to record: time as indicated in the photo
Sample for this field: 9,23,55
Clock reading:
9,41,45
